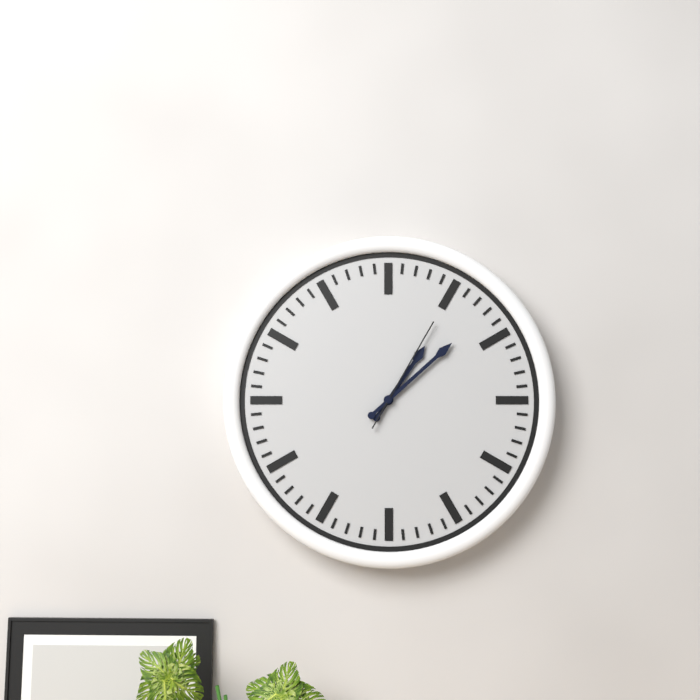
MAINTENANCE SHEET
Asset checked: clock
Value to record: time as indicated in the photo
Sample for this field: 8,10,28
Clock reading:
1,08,05
